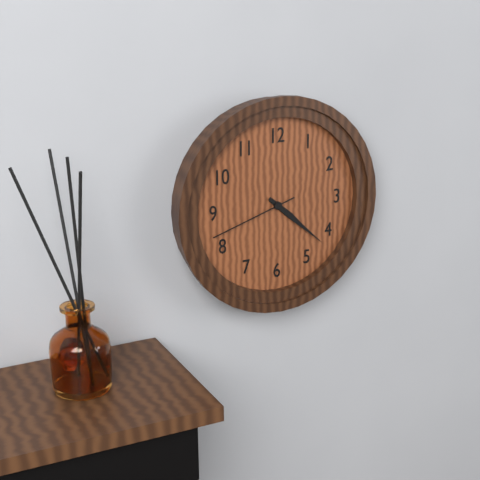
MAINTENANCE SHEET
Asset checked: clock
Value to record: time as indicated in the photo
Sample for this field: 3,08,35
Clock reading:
4,22,42
